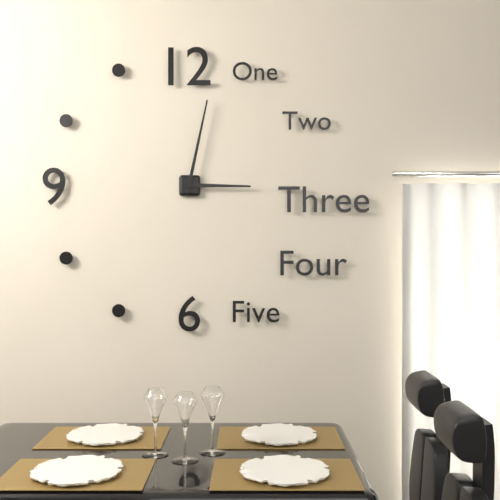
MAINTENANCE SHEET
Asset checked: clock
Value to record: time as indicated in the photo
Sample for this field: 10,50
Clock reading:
3,02
